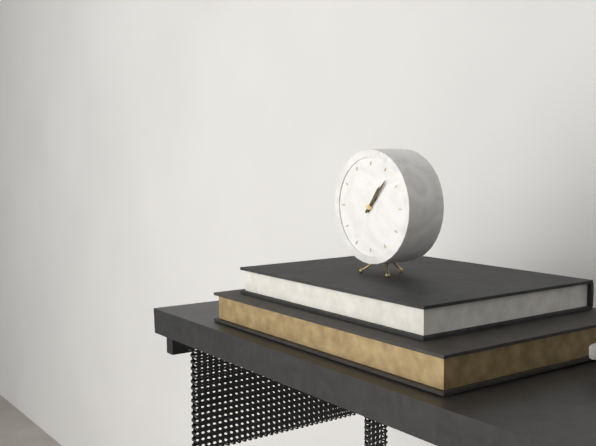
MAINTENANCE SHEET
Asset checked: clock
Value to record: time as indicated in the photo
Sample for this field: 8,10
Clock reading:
1,07
